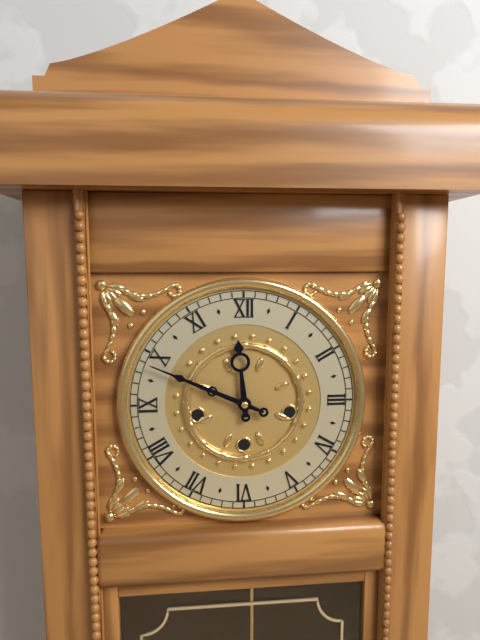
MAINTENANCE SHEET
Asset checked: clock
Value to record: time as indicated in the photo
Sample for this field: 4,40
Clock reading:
11,49
